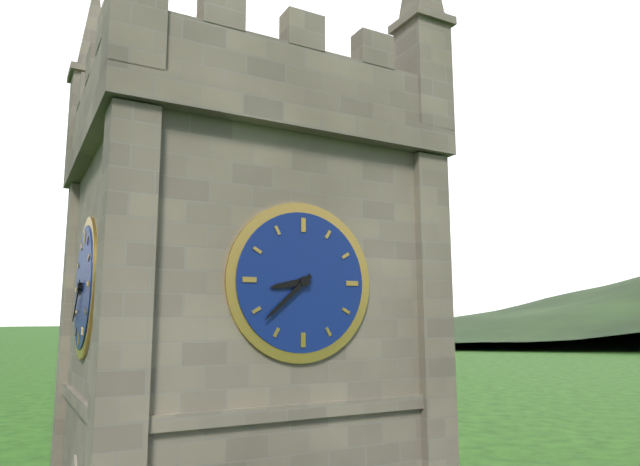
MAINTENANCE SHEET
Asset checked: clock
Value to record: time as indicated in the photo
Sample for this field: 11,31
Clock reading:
8,38
